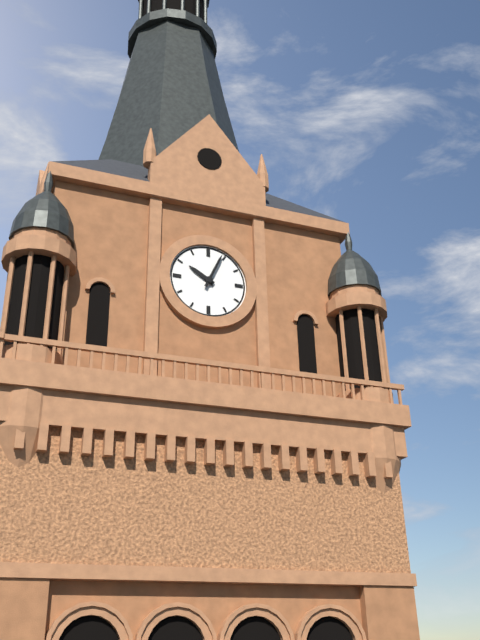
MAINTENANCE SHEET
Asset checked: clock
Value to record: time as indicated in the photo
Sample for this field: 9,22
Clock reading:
10,04
